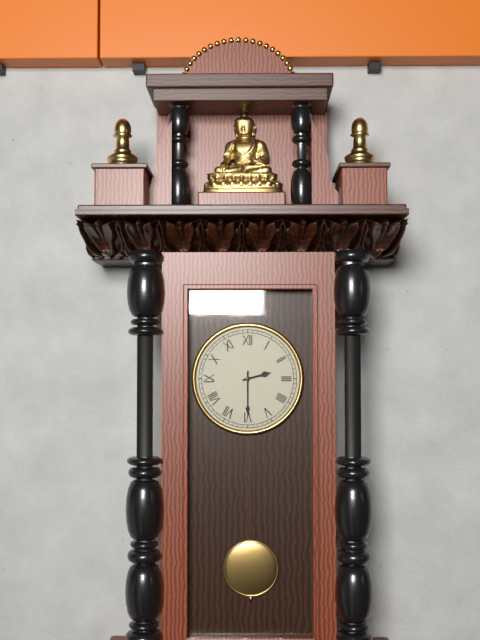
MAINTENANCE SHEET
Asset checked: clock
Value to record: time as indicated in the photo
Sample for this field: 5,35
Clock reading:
2,30
